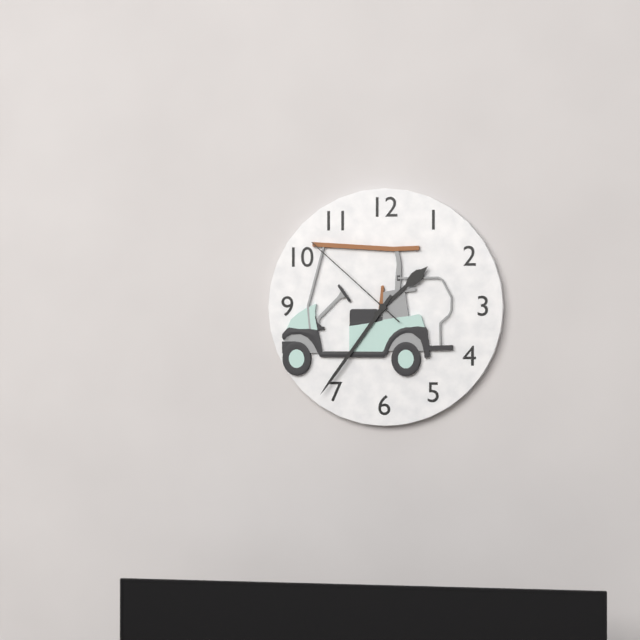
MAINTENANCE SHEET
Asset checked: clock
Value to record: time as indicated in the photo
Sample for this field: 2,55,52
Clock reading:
1,36,52
